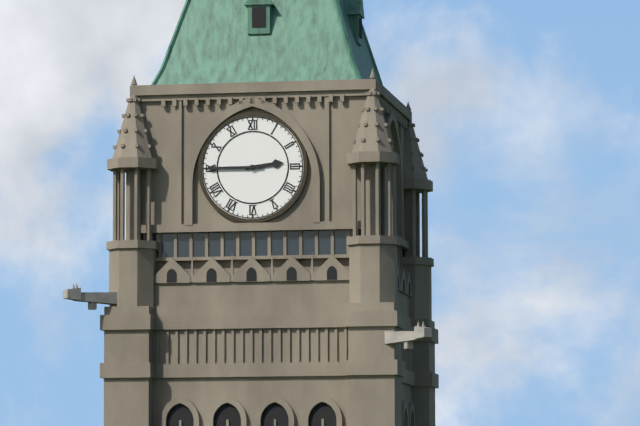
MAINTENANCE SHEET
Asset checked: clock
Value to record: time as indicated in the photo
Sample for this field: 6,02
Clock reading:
2,45
